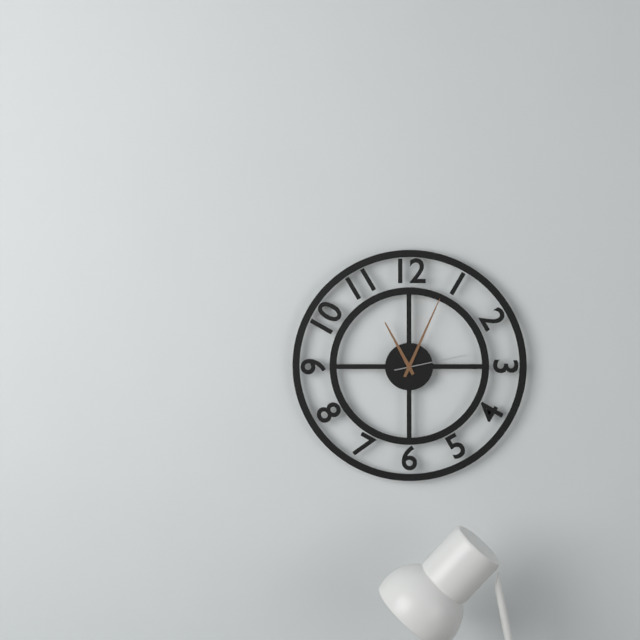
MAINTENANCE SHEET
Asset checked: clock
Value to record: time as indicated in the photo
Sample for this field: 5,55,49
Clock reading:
11,04,13
